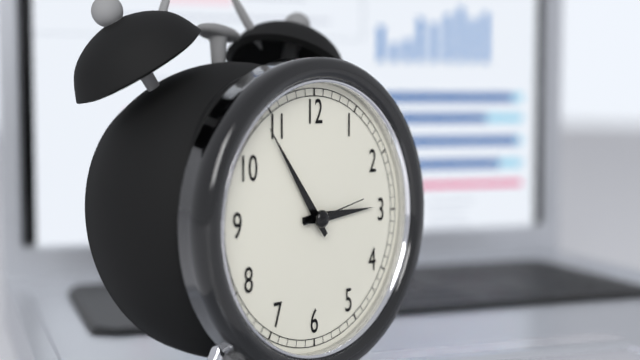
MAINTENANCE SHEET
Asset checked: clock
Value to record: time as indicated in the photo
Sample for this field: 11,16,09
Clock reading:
2,54,13
